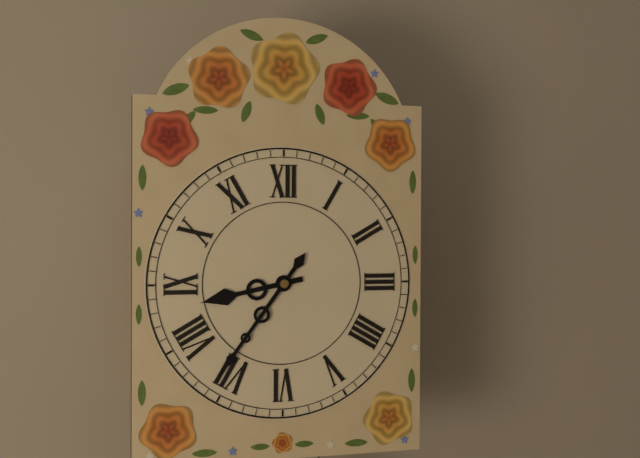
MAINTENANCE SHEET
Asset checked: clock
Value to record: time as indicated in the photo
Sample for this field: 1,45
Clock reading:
8,36
